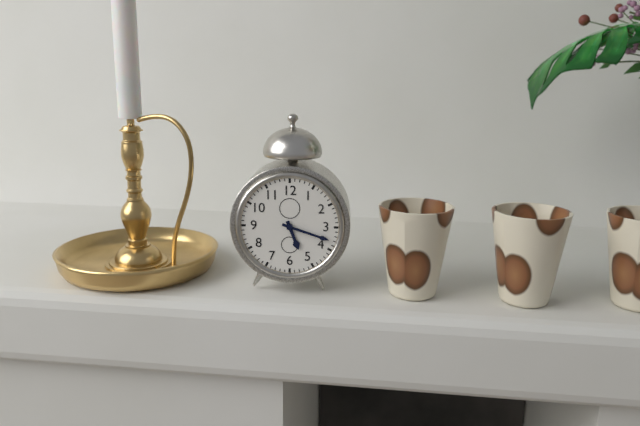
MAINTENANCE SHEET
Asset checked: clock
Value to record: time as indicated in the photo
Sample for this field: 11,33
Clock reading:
5,18
